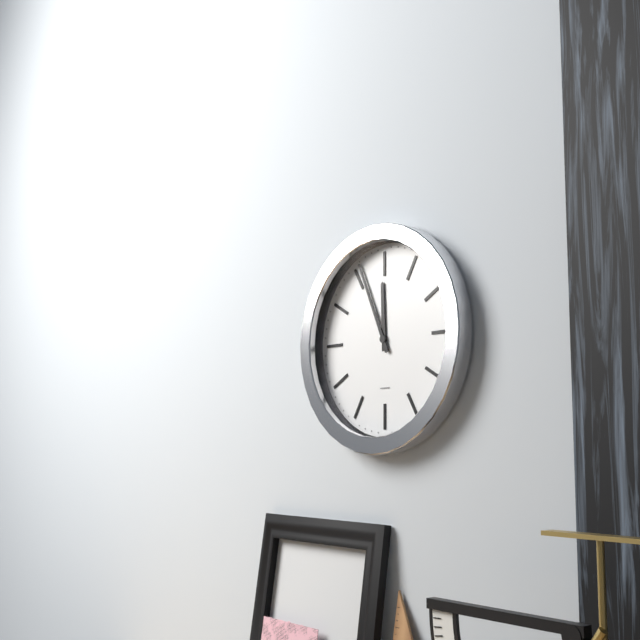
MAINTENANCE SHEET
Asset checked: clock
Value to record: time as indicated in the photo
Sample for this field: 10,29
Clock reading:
11,56
